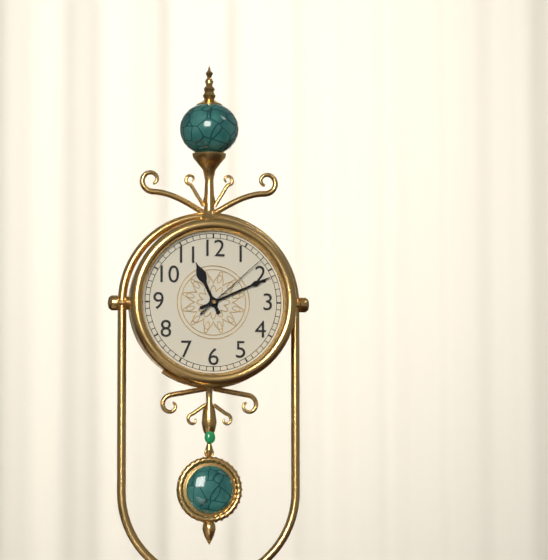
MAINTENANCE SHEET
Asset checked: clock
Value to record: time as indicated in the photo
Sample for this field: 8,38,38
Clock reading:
11,11,08
